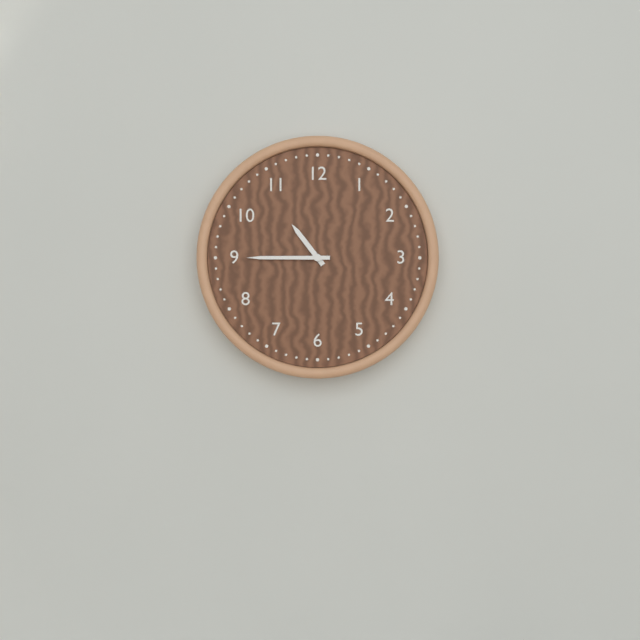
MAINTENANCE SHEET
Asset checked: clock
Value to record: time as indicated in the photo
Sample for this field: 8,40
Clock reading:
10,45
